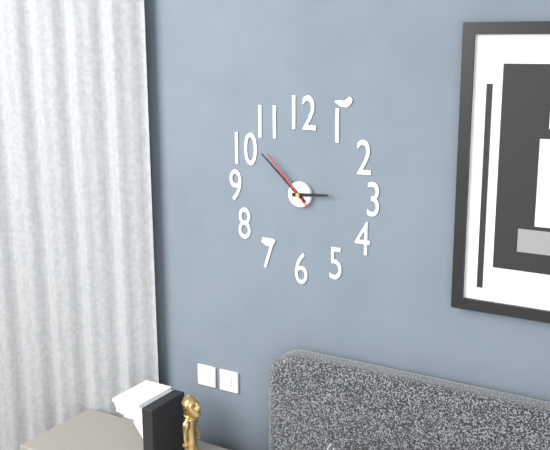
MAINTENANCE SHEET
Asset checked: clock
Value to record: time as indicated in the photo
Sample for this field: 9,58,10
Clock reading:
2,52,53
